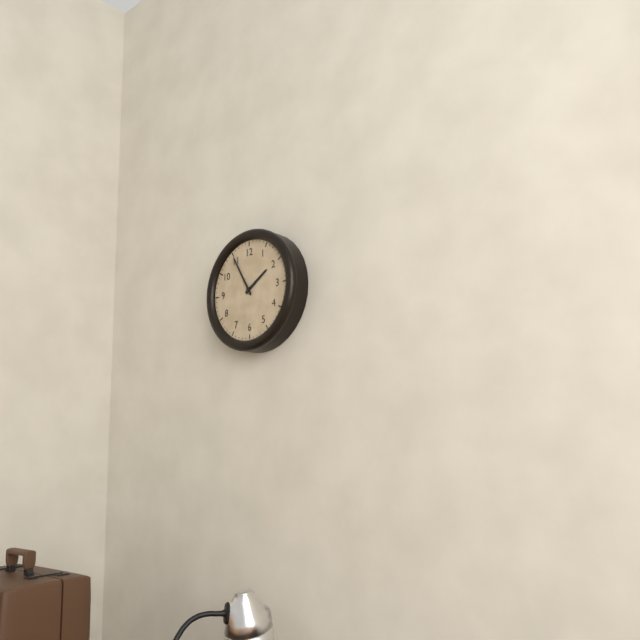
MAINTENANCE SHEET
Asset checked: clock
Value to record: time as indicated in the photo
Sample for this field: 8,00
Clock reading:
1,55
